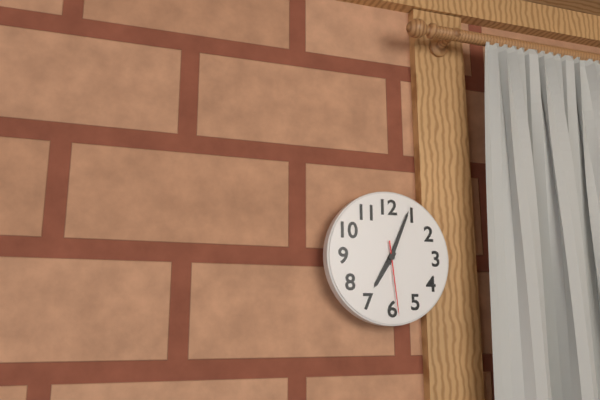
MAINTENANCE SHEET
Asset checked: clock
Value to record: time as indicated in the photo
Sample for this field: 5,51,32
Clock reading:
7,04,29
